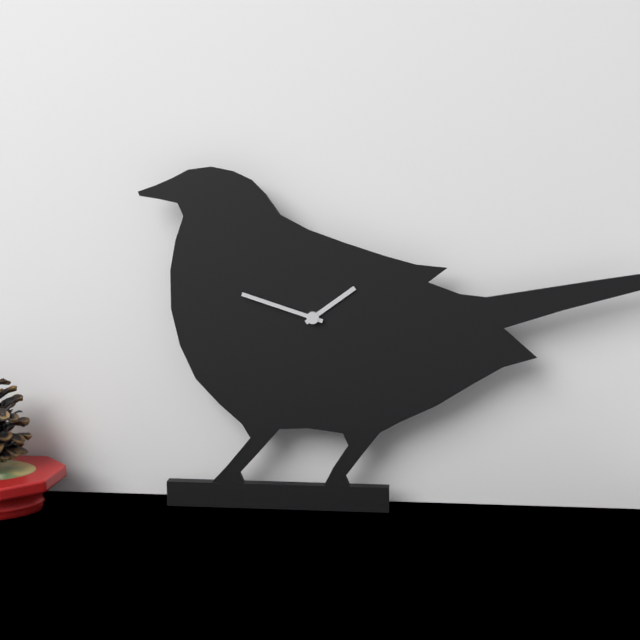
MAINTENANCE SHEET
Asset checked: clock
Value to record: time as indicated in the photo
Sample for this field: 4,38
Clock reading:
1,48
